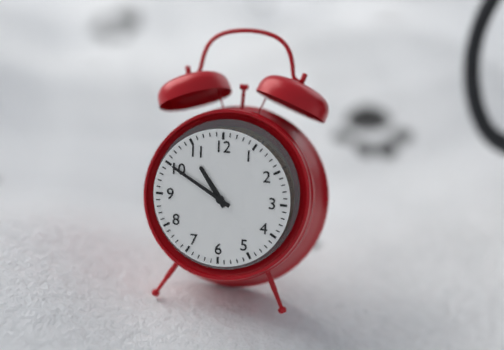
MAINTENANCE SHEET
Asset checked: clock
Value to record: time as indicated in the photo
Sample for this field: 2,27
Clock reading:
10,50
